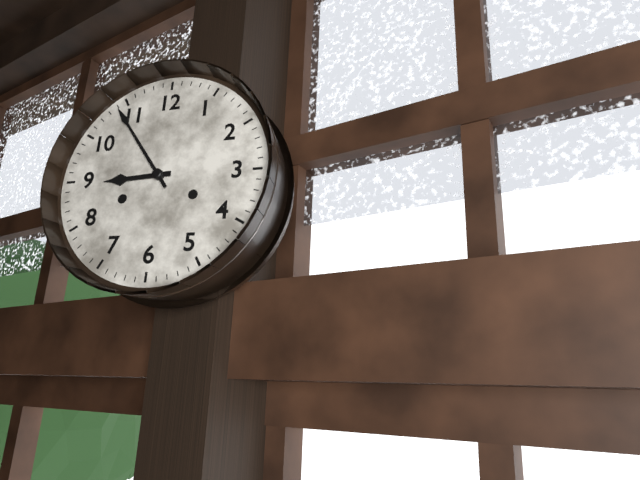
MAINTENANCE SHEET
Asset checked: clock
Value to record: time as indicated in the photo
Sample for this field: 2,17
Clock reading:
8,54
